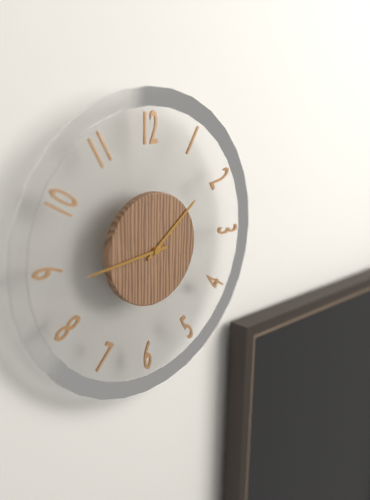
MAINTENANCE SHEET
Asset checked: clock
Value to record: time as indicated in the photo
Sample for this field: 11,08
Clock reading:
1,44
